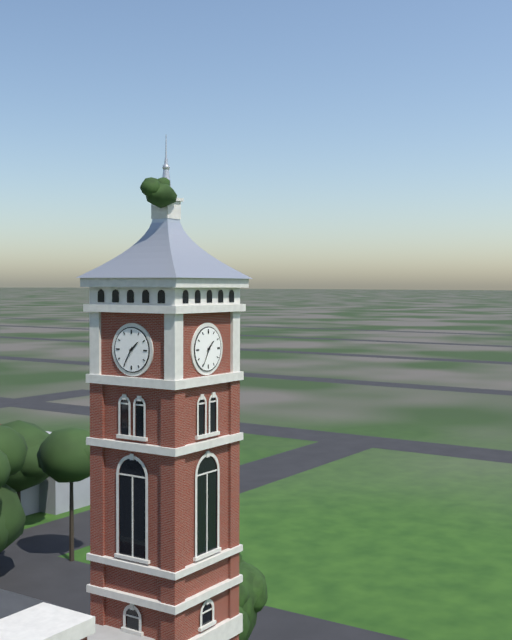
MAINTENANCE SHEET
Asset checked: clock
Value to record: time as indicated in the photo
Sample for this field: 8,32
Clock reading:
1,35
